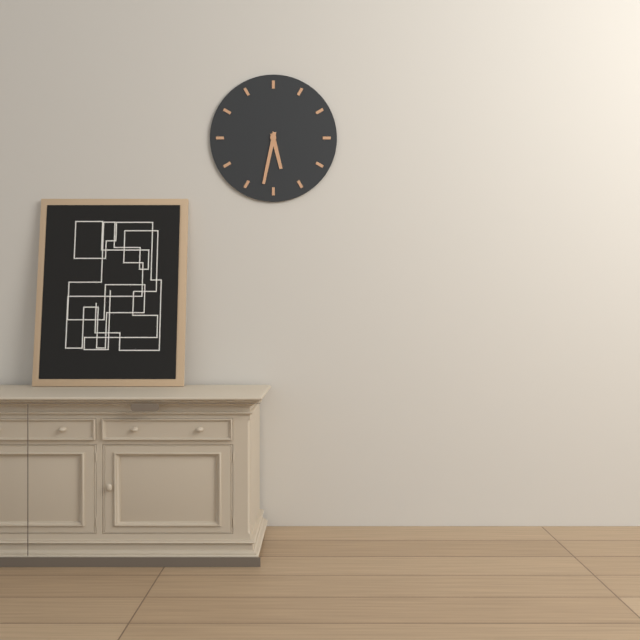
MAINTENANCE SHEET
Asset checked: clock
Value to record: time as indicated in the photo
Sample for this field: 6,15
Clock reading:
5,32
